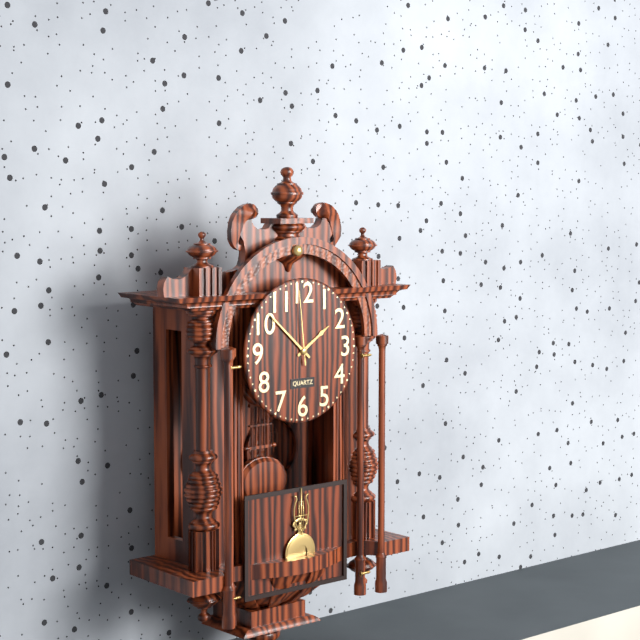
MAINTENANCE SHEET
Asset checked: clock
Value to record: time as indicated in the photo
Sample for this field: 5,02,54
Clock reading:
1,52,59
